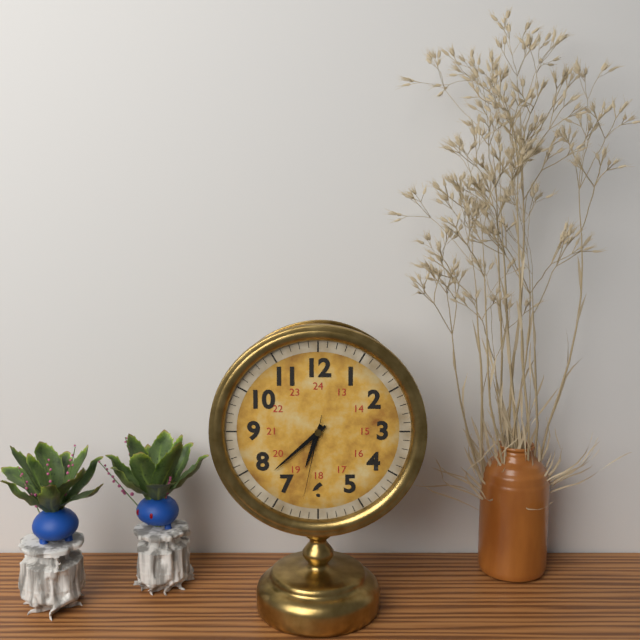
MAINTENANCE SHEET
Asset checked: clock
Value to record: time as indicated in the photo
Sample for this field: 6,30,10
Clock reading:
6,38,32
